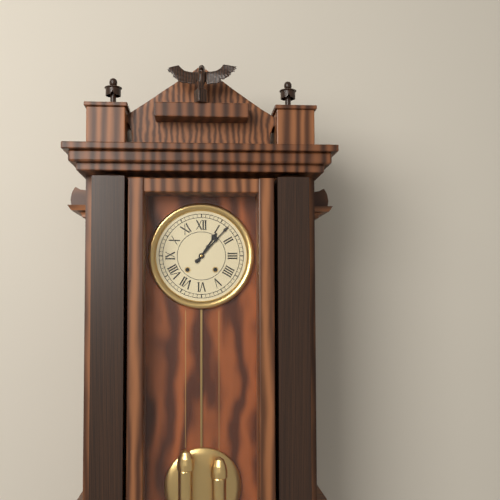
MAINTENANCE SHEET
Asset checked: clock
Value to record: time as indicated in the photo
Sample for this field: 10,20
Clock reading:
1,07
